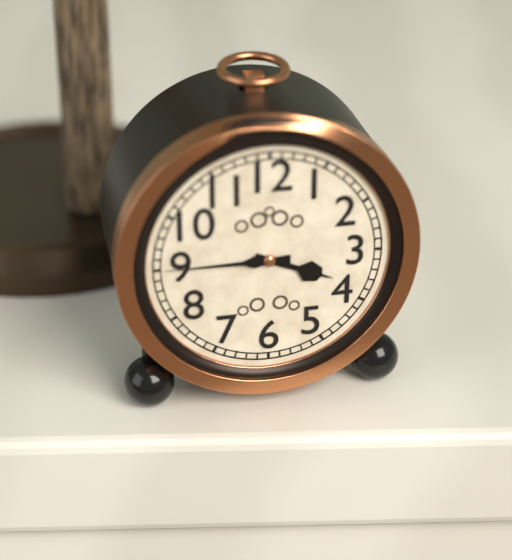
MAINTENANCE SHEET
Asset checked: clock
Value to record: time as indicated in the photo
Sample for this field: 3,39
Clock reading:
3,45
